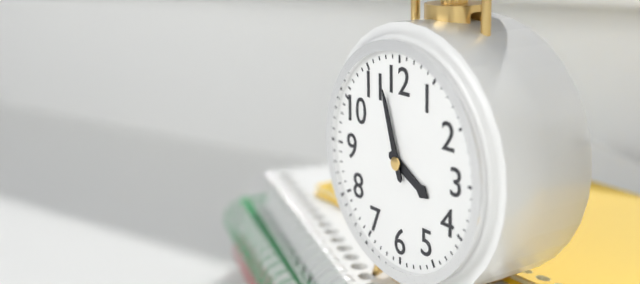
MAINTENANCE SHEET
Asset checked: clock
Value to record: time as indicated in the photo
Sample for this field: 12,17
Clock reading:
3,57
